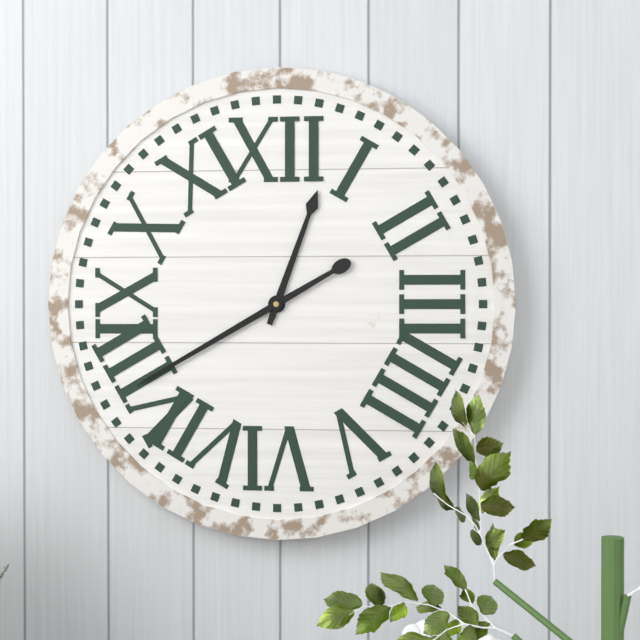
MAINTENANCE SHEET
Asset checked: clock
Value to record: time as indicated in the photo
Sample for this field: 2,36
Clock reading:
12,40
